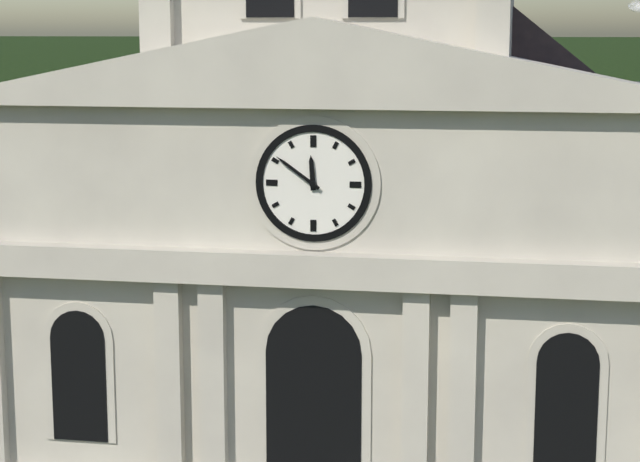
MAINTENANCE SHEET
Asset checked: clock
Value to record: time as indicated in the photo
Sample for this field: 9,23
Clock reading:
11,51
